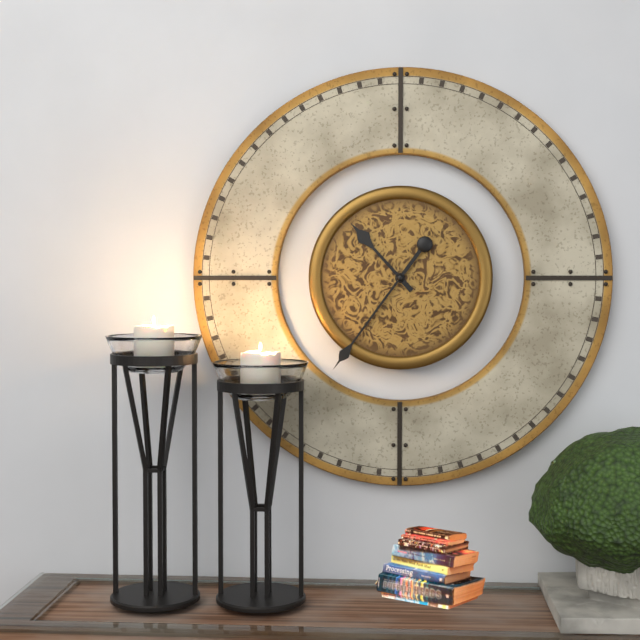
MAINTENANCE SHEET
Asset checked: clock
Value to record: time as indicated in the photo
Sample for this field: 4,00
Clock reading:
10,36
